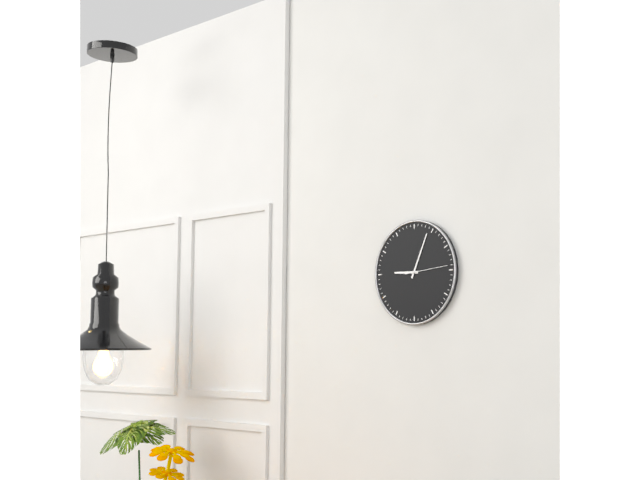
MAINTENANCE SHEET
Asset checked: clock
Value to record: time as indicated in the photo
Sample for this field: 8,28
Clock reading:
9,04
